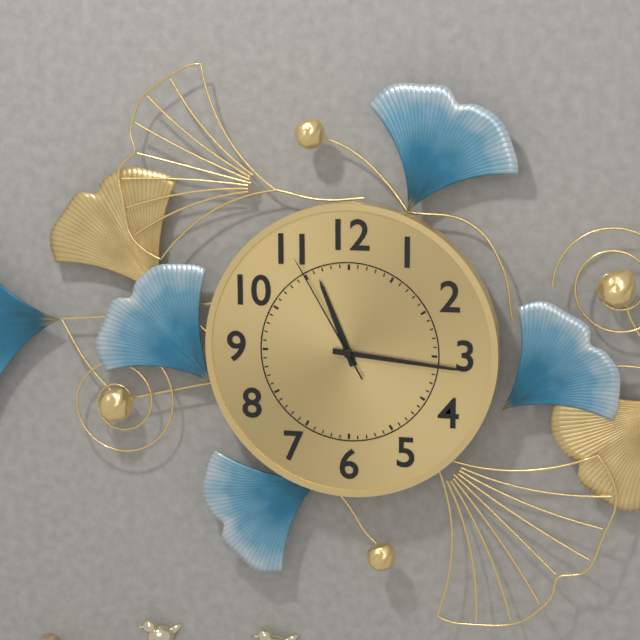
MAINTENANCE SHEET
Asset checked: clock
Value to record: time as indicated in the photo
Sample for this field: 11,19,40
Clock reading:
11,16,55
